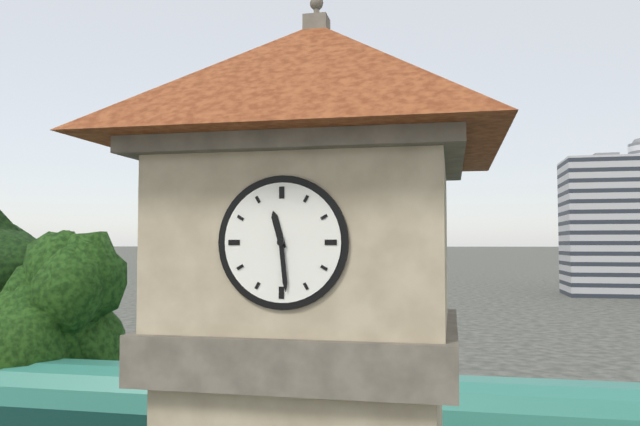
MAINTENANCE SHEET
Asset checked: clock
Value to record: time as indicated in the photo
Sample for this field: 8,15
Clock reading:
11,29
